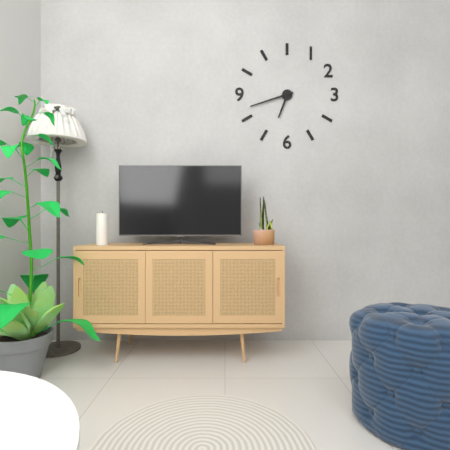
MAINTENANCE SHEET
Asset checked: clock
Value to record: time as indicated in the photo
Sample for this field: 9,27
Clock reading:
6,42
